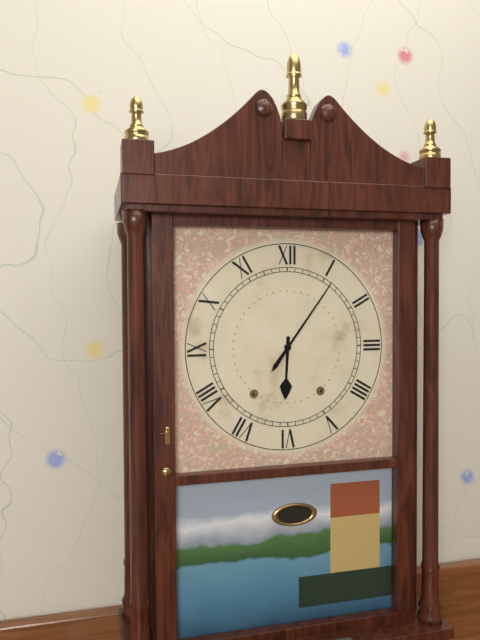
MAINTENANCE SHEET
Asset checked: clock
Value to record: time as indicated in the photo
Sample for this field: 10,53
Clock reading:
6,06
